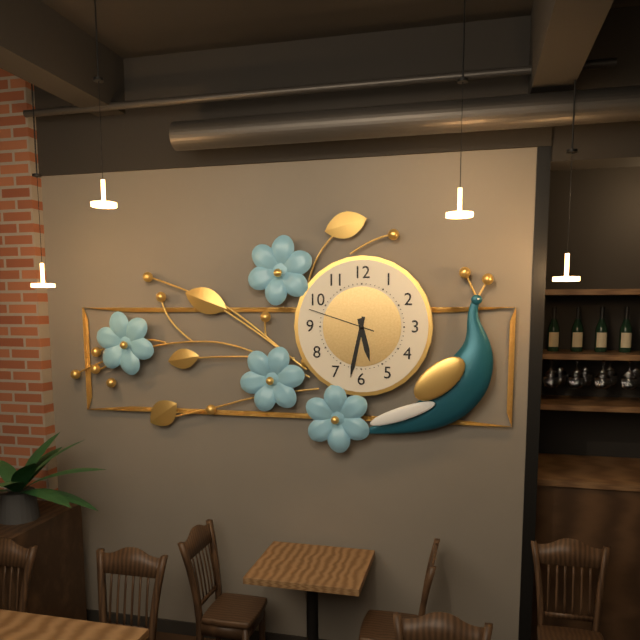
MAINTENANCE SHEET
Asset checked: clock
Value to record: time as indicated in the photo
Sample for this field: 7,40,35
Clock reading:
5,32,48
